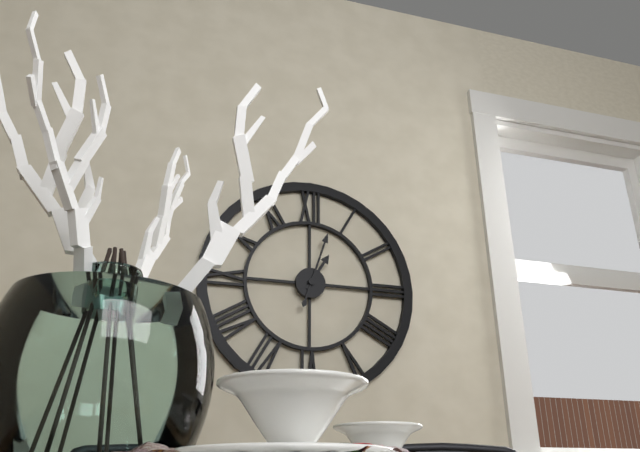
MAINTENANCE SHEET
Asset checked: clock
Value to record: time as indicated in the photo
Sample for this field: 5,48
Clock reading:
1,03
